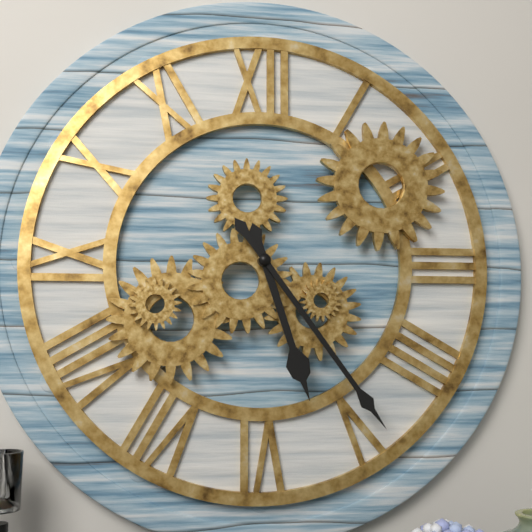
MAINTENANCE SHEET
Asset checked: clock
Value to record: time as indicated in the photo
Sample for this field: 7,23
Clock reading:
5,24
